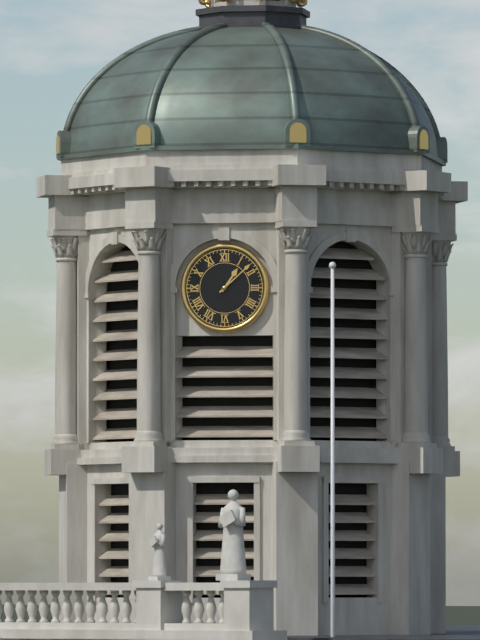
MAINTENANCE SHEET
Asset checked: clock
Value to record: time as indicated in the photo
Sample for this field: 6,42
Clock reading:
1,08
